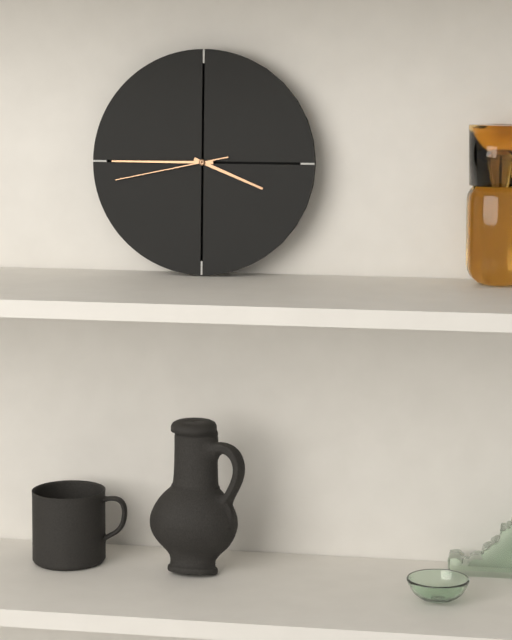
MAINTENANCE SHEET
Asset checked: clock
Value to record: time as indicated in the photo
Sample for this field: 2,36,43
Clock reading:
3,45,43
